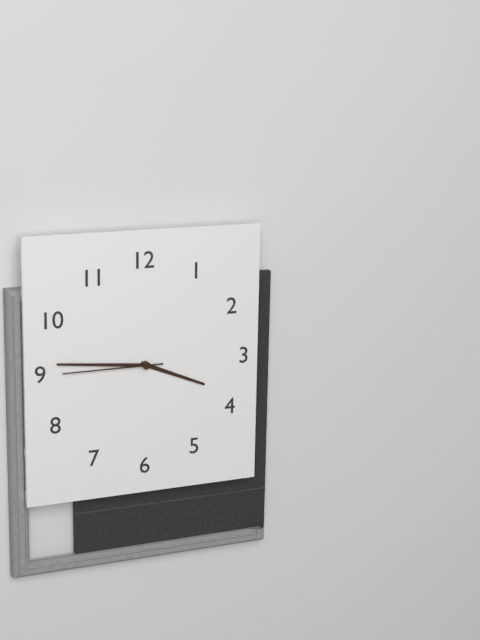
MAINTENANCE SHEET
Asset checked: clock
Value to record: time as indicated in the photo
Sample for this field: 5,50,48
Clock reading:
3,46,45
